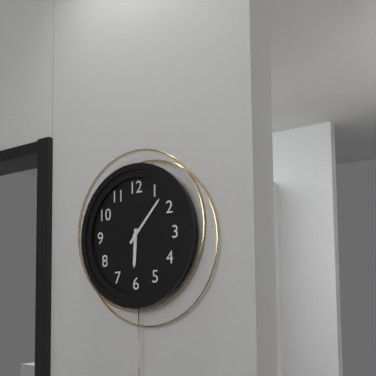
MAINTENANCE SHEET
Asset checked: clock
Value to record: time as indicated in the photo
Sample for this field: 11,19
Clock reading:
6,07
